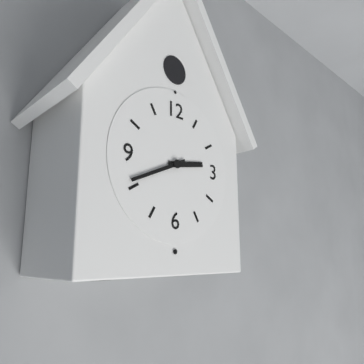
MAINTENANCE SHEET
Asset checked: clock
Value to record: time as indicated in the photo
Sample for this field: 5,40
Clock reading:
2,41
